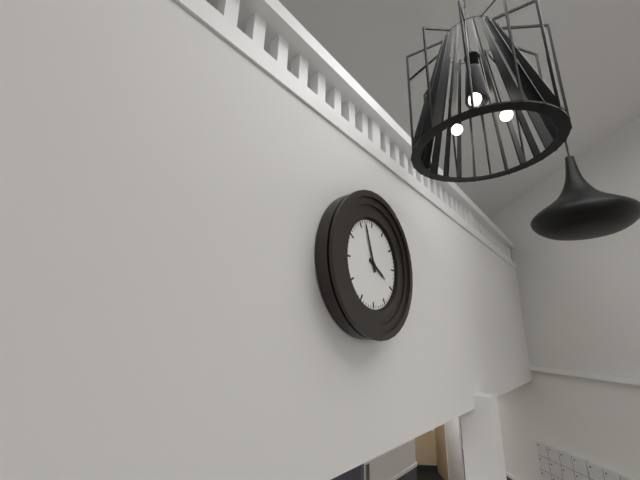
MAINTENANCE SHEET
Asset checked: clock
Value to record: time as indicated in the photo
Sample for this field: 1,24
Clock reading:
3,57
